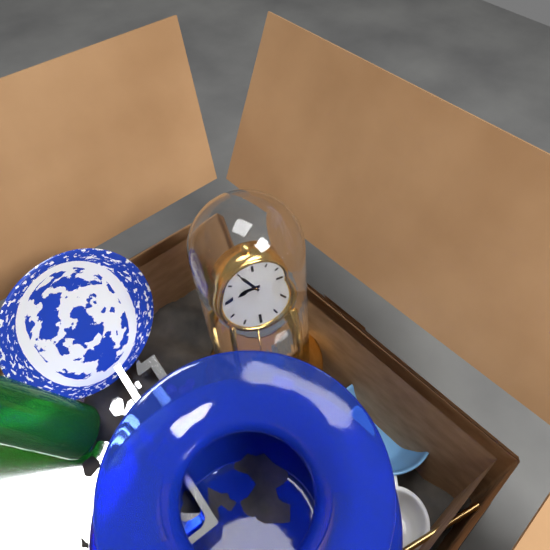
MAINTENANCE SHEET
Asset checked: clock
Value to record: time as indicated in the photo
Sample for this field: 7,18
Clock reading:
8,55
